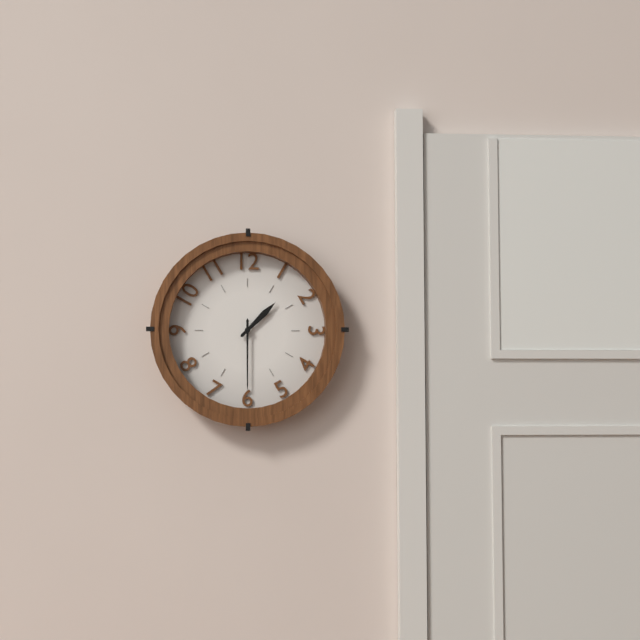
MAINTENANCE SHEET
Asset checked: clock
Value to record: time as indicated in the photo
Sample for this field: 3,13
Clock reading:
1,30
